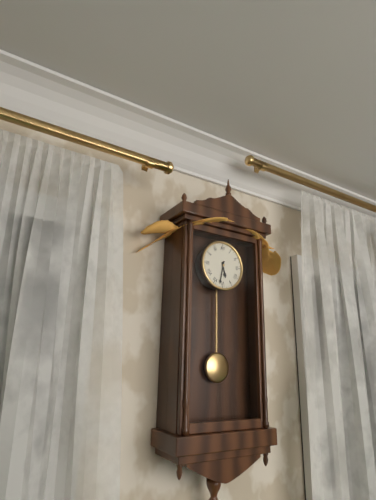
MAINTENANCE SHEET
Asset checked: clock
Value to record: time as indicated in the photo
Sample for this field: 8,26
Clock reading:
5,32
